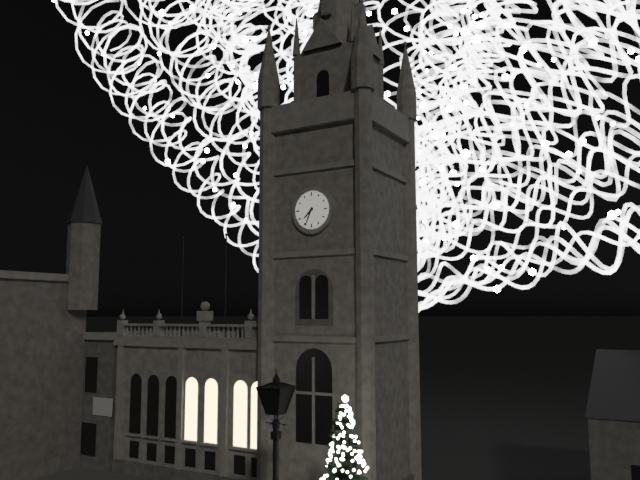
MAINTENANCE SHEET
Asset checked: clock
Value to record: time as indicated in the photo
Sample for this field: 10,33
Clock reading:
7,34
